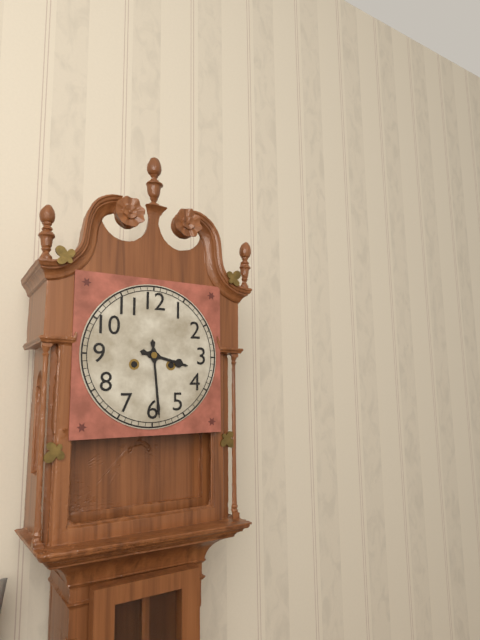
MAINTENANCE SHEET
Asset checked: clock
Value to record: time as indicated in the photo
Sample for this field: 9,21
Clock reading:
3,29
